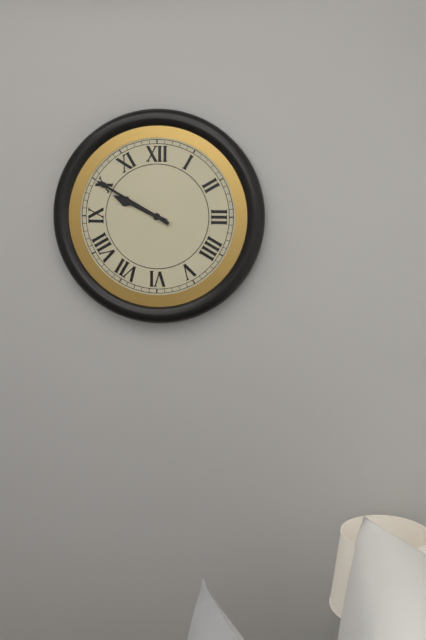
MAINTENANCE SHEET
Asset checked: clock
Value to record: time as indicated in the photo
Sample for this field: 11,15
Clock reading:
9,50
